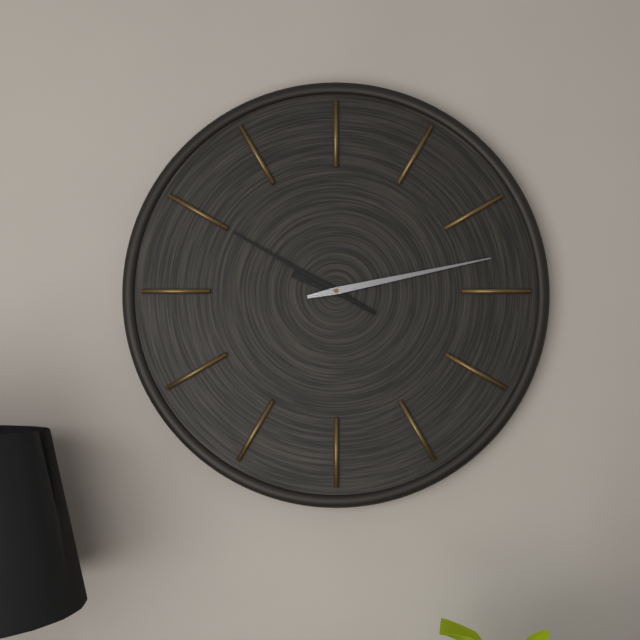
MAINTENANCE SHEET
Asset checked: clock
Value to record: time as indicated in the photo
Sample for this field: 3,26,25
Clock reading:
9,50,13
